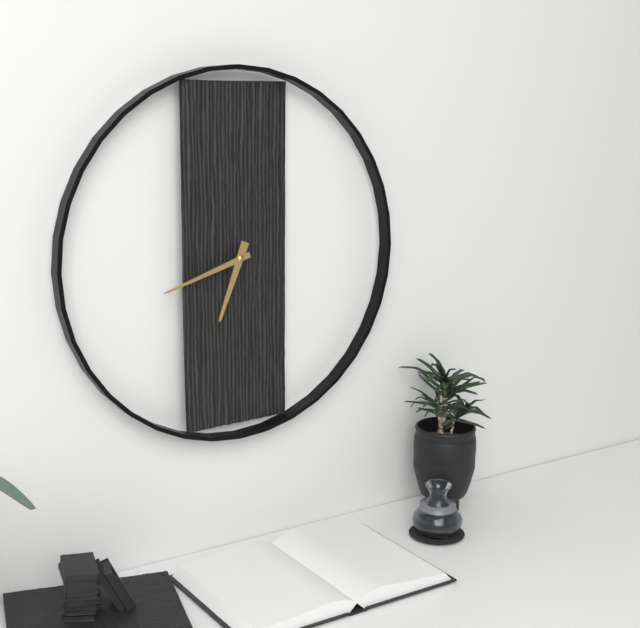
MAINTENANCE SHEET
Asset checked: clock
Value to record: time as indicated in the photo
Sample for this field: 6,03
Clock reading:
6,42
